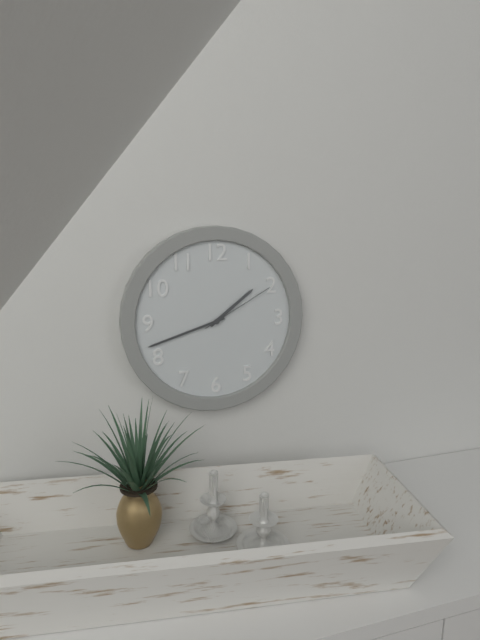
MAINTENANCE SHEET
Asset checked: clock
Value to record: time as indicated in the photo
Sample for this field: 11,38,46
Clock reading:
1,42,10
